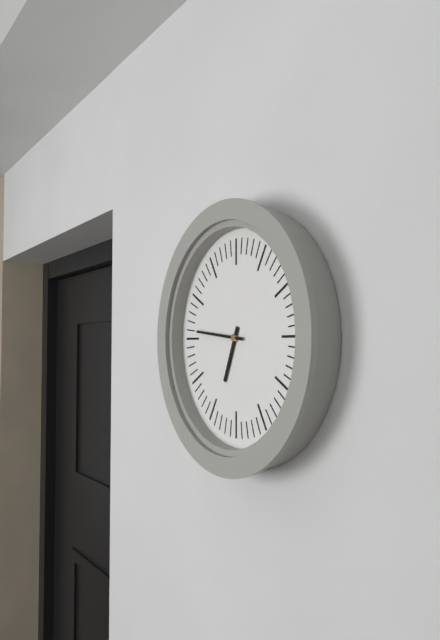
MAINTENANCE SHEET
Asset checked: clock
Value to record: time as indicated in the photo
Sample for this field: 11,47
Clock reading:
6,46
